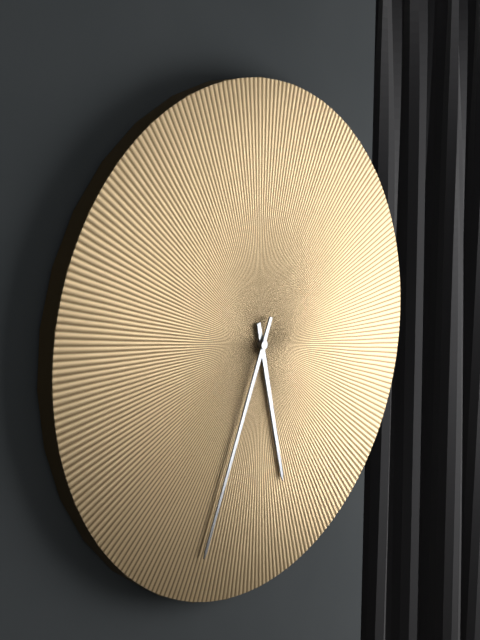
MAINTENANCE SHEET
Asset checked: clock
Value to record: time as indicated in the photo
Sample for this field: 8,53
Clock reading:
5,34
